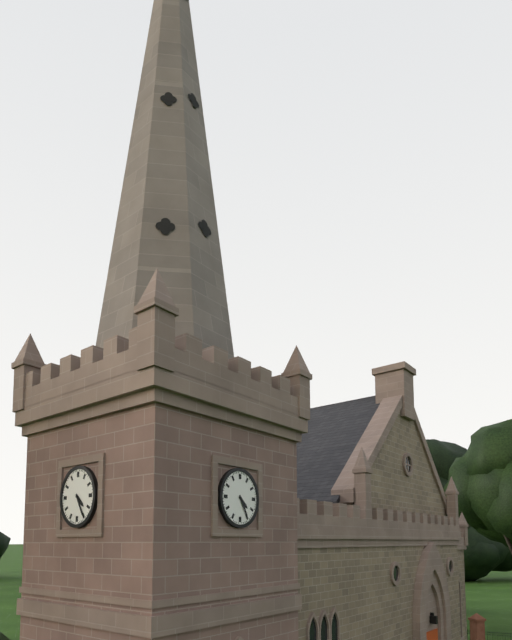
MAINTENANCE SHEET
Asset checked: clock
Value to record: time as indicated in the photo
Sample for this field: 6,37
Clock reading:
4,25
